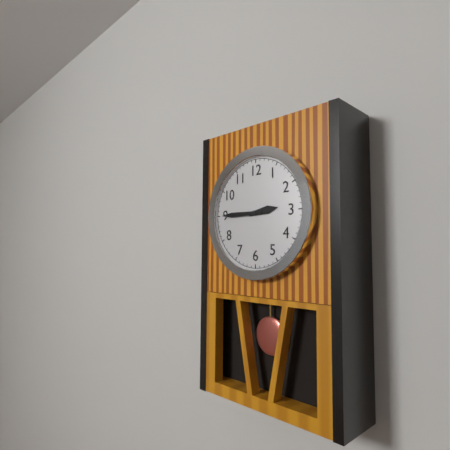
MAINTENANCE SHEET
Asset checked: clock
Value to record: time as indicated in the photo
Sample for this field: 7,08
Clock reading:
2,45
